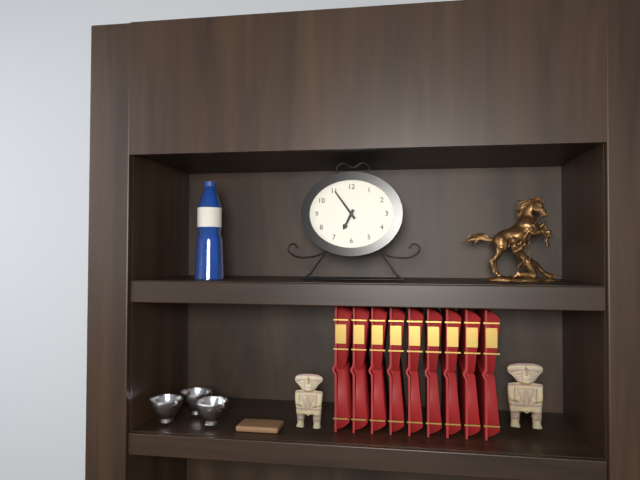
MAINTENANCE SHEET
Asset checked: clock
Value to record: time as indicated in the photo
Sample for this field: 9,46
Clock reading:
6,54
